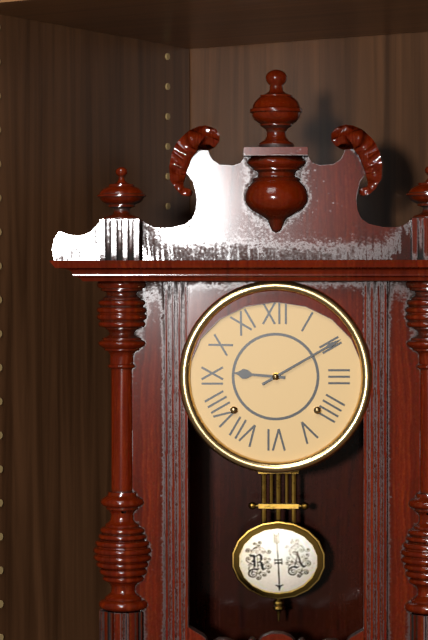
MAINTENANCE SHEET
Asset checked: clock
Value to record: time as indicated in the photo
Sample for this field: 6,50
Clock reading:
9,10
